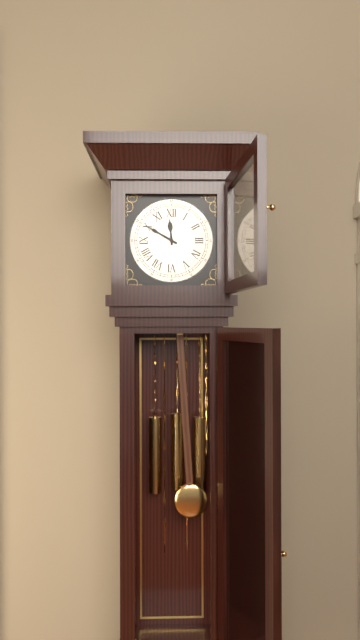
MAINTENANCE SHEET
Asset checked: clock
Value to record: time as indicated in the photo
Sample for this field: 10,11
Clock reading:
11,50
